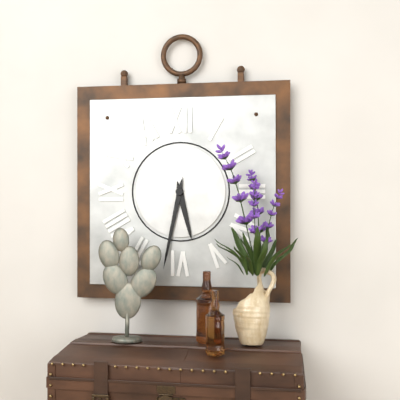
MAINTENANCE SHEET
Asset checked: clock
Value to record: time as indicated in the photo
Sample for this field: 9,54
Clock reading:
5,32
